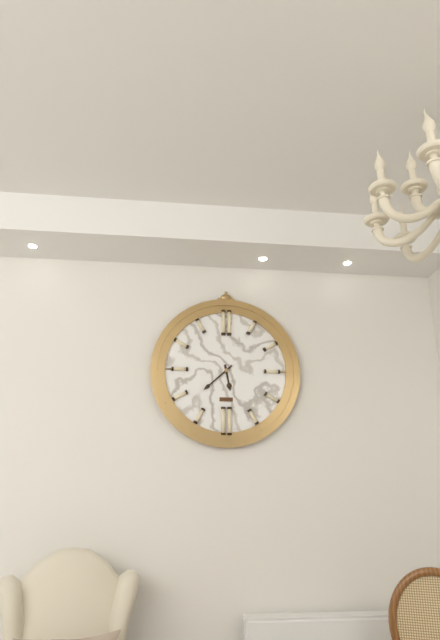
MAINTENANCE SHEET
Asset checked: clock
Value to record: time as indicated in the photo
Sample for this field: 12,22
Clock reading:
5,38
